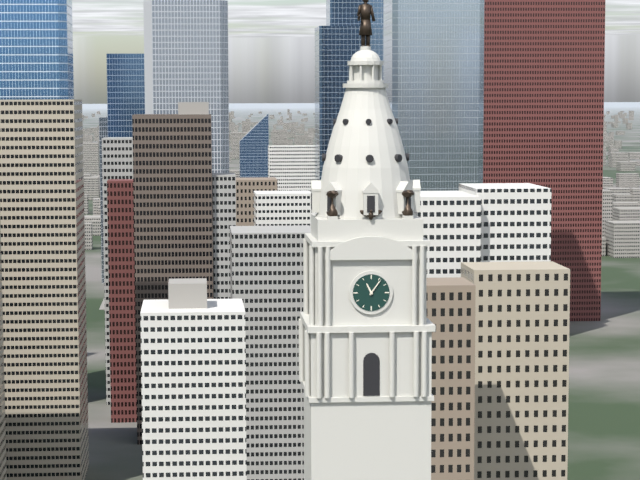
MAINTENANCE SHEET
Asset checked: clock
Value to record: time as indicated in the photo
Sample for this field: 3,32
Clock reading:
11,06
